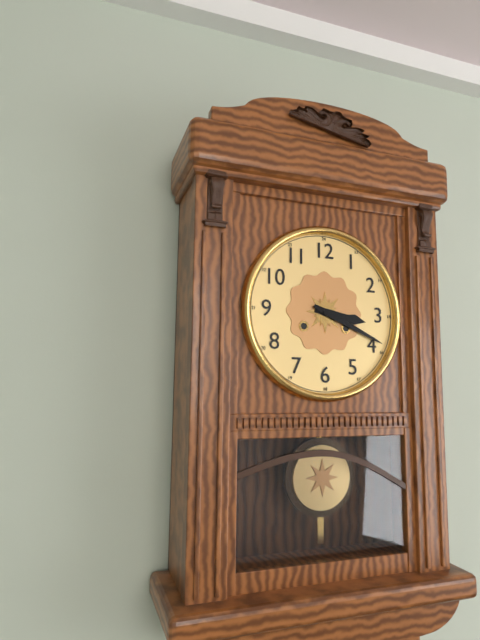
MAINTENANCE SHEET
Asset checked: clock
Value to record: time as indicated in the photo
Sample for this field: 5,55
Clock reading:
3,19
